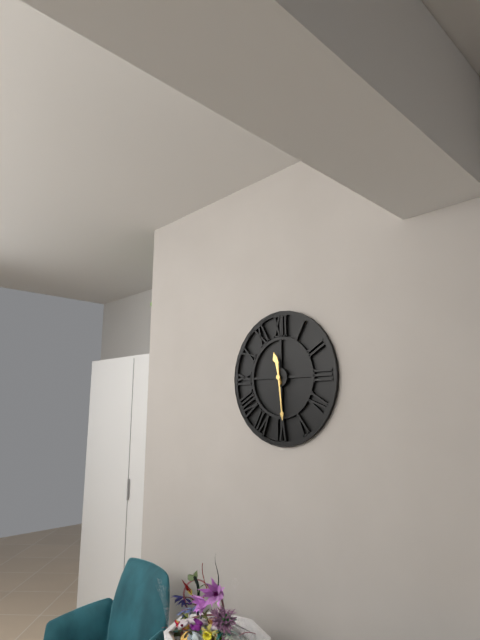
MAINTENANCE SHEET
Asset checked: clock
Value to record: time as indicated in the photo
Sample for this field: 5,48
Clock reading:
11,29
